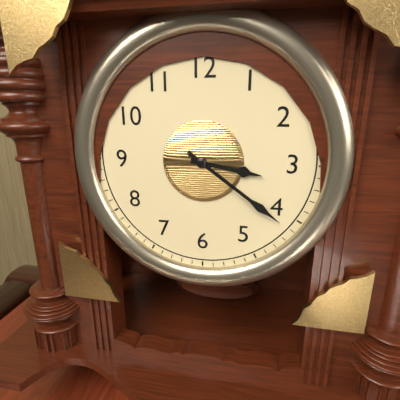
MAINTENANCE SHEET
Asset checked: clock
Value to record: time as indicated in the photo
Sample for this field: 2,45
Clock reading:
3,21
